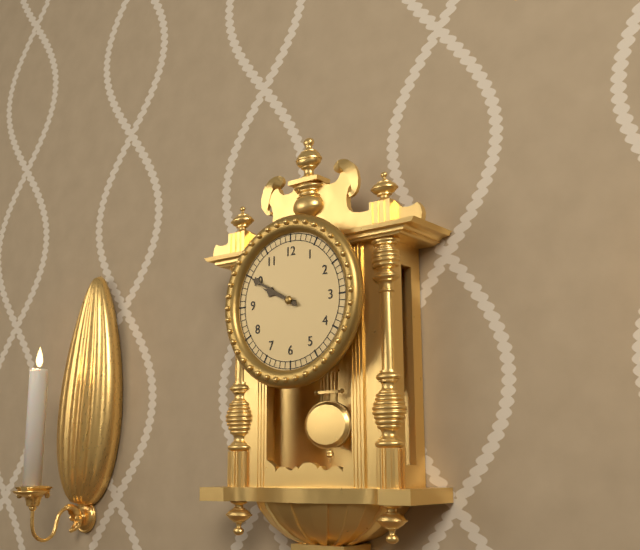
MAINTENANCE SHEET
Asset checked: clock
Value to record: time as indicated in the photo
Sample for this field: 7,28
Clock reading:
9,50
